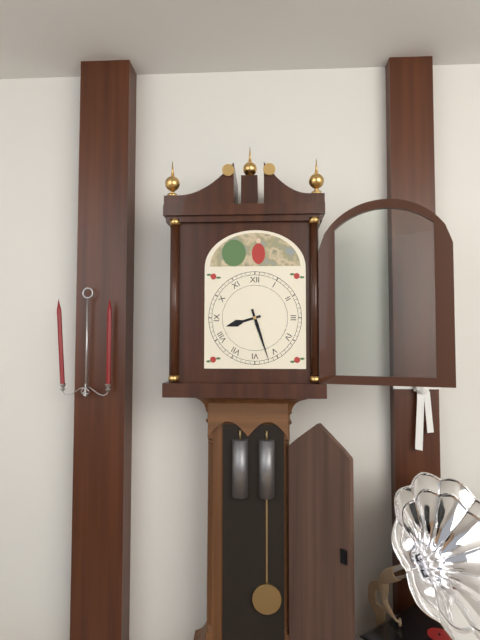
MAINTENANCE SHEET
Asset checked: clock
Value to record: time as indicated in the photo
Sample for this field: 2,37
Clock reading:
8,27
